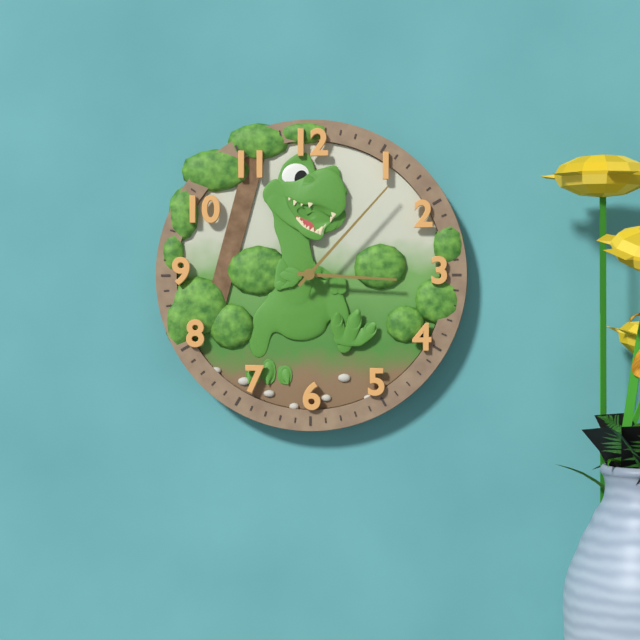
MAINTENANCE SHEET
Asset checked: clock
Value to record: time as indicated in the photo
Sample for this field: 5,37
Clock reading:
3,07
